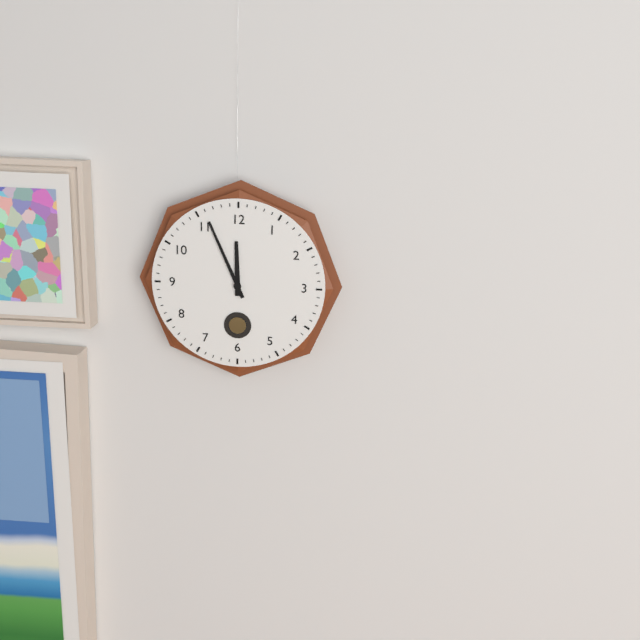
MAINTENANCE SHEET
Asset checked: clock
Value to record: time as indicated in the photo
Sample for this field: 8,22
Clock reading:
11,56
